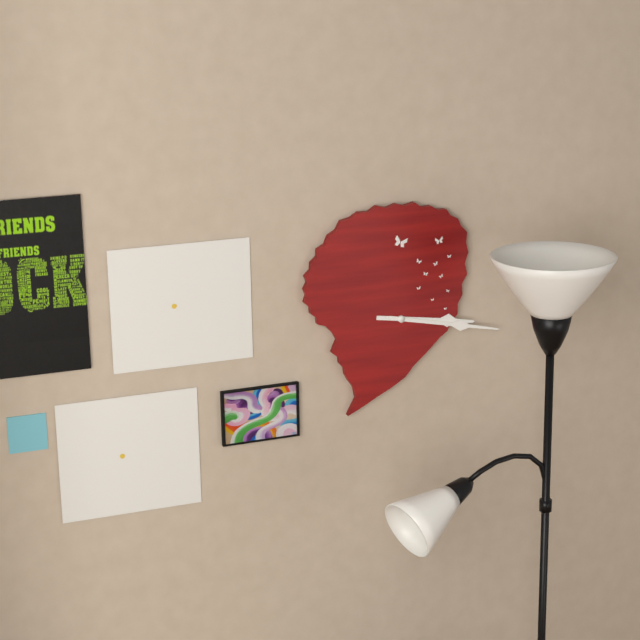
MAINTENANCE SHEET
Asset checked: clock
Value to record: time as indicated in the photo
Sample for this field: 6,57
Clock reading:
3,17
